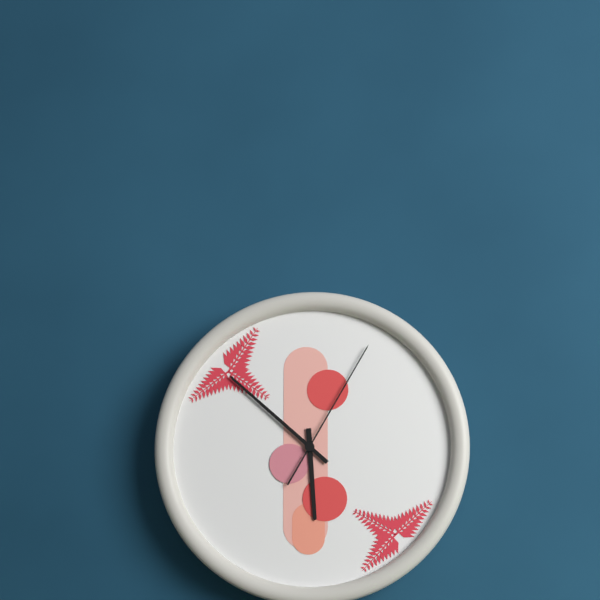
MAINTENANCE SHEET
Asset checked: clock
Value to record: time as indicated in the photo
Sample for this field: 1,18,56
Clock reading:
5,52,05
